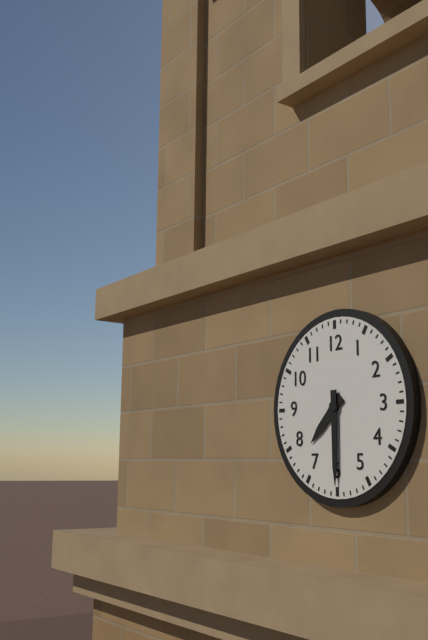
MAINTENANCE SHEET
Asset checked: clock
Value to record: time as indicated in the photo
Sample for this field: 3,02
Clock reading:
7,30
